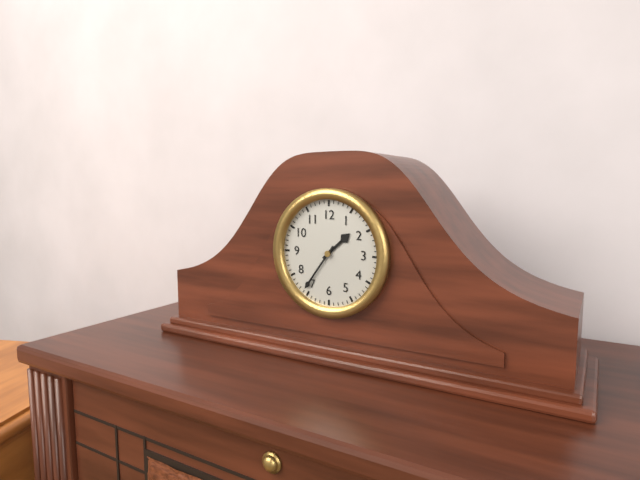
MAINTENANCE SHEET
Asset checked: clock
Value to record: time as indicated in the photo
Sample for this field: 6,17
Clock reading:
1,36
